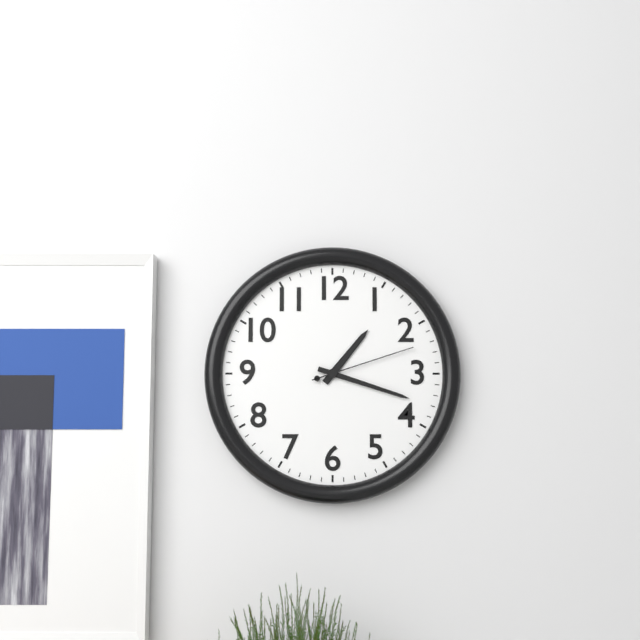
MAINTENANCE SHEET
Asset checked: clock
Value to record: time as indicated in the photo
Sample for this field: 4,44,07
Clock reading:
1,18,12
